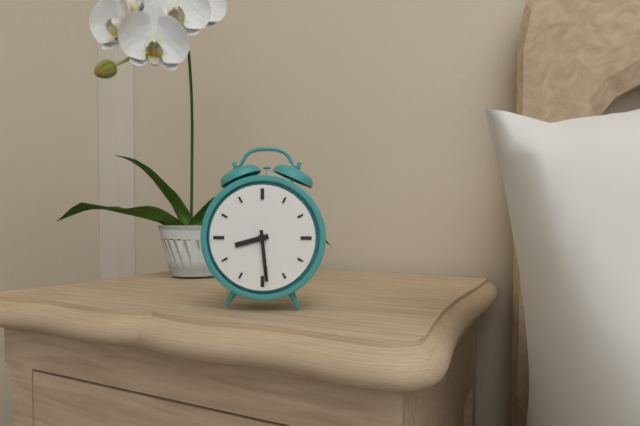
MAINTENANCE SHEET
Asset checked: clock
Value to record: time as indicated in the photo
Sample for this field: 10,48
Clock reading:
8,29
